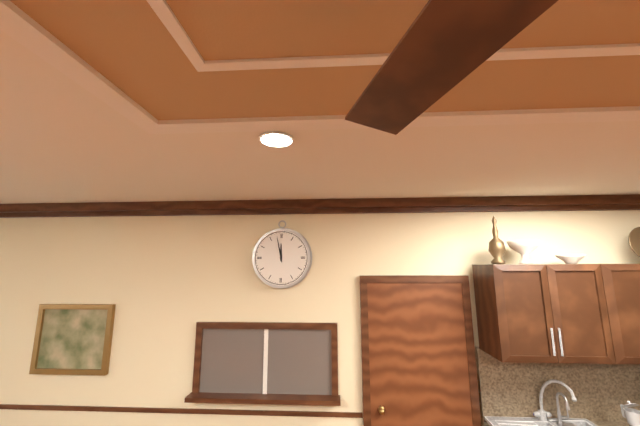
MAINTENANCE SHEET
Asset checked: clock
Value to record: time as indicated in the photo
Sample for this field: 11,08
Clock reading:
11,58
